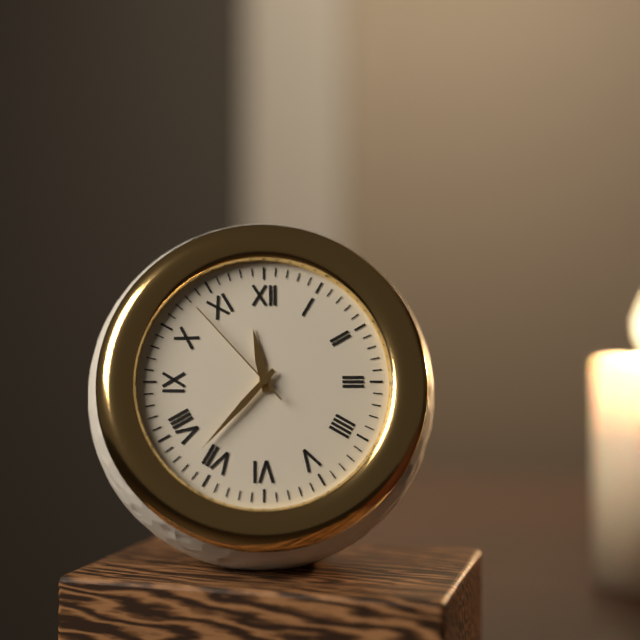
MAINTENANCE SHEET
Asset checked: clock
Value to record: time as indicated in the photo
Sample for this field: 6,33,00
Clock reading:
11,37,53
